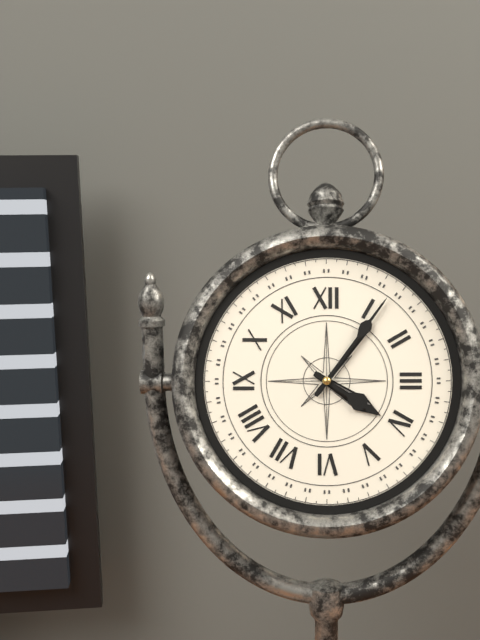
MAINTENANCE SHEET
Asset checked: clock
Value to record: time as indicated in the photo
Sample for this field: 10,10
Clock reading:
4,06
